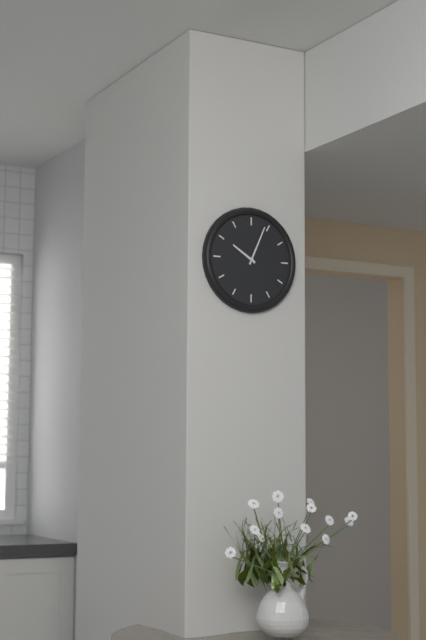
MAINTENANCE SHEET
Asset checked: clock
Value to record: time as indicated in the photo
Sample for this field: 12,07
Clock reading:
10,04
